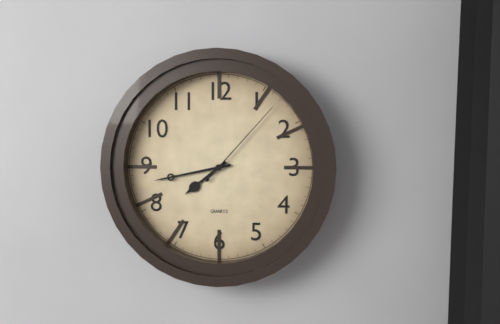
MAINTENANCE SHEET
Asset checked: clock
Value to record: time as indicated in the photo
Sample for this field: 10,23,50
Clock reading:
7,43,07
